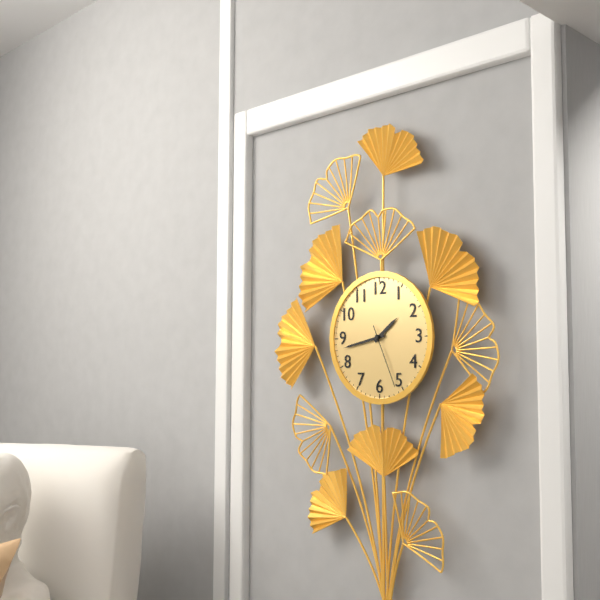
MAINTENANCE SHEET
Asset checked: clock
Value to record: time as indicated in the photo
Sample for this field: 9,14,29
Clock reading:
1,43,26
